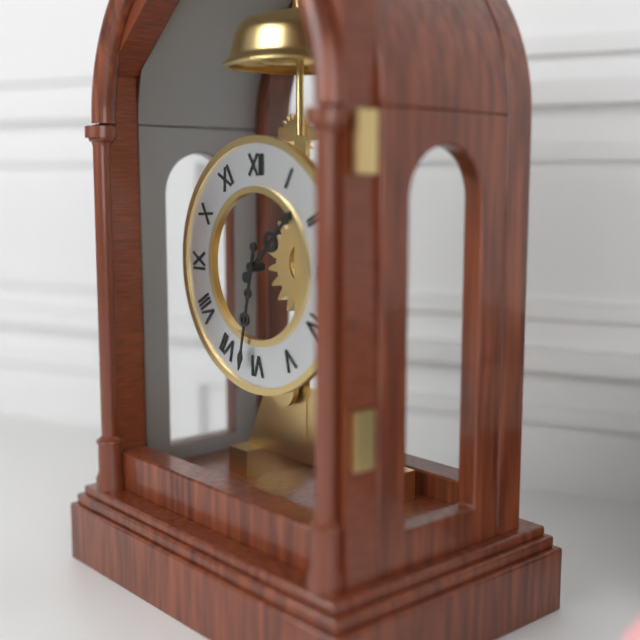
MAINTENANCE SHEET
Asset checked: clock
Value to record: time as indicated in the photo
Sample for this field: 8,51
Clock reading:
1,32
